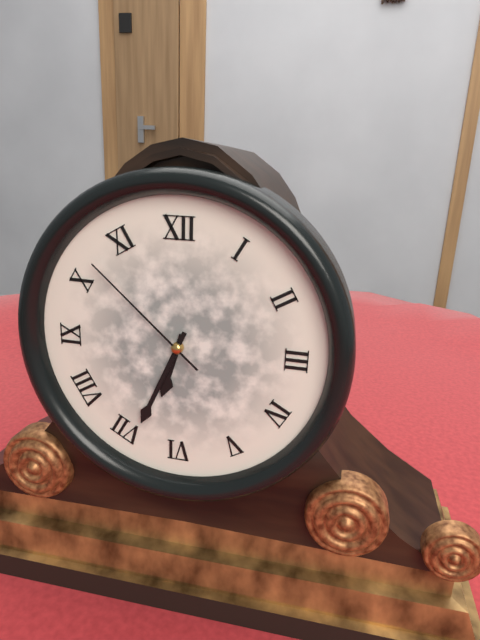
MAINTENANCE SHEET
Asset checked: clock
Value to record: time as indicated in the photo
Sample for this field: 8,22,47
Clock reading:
6,34,52
